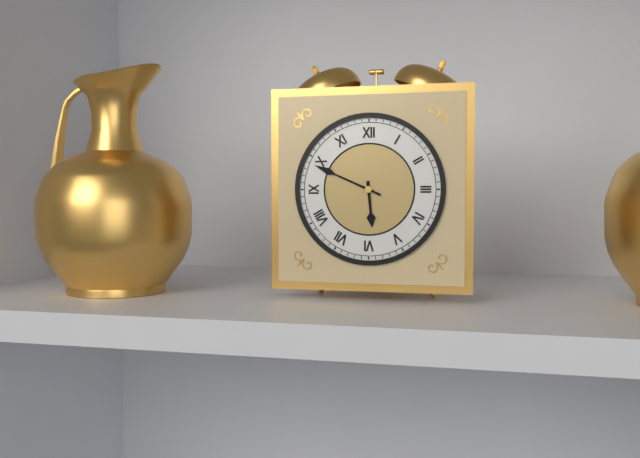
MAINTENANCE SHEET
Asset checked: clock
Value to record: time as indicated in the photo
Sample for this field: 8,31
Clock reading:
5,49
